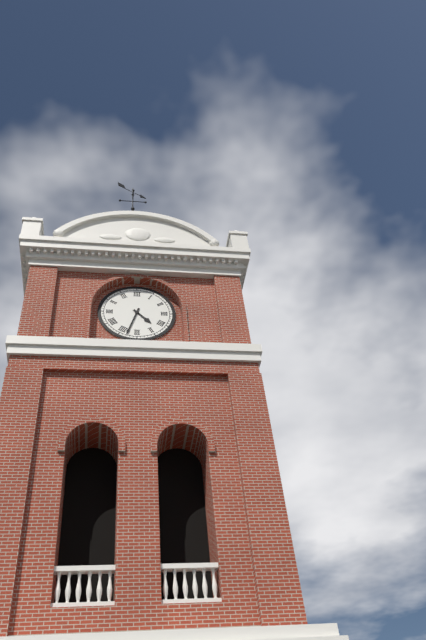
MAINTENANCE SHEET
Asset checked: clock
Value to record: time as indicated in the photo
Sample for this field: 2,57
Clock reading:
4,33
